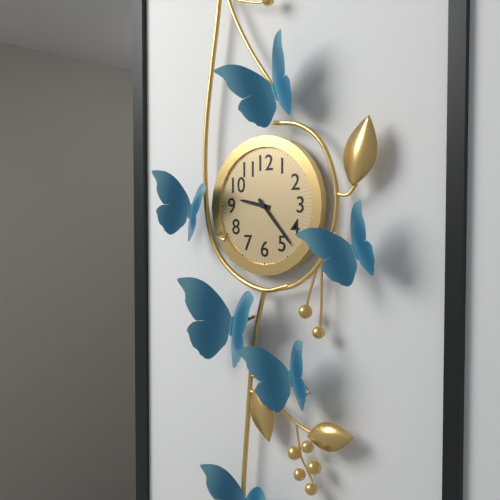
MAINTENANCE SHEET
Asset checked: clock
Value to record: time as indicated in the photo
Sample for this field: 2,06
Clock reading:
9,23
